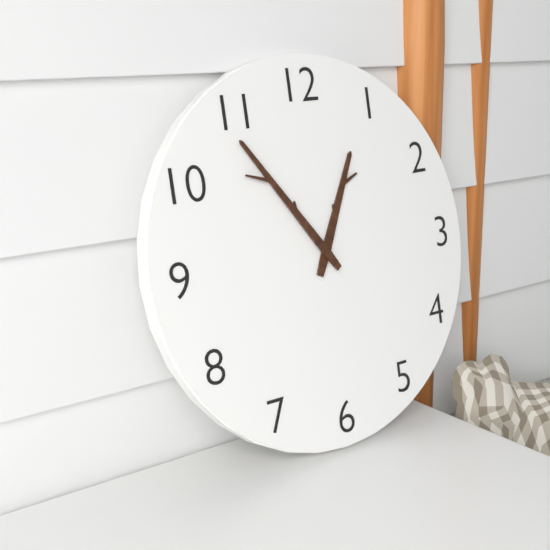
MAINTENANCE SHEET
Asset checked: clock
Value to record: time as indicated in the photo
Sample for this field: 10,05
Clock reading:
12,54
